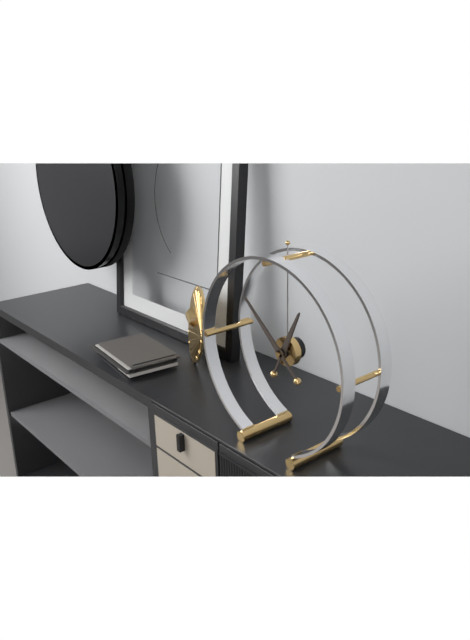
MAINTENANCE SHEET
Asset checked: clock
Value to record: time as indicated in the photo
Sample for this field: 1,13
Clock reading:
12,52
